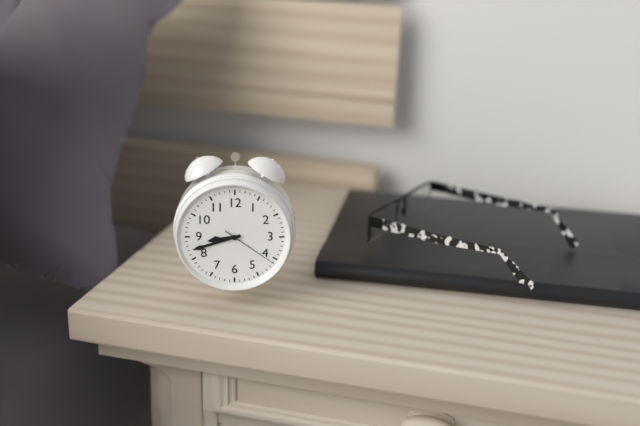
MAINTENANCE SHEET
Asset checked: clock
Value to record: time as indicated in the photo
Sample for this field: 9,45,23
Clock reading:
8,42,21
